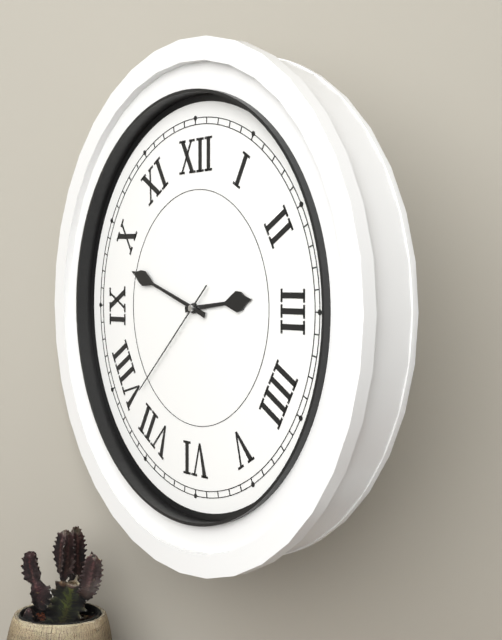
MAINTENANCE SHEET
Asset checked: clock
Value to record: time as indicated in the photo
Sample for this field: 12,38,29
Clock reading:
2,48,38
